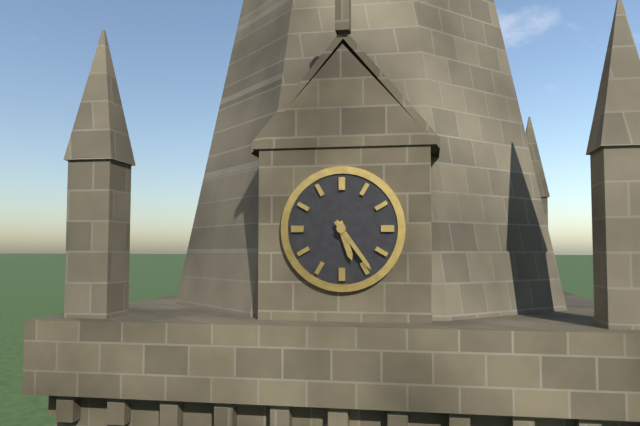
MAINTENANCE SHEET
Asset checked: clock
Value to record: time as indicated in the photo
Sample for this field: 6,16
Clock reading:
5,24
